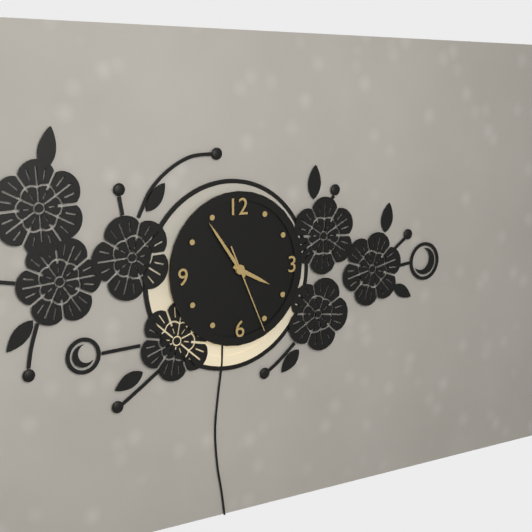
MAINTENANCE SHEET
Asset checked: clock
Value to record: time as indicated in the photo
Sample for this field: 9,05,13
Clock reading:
3,54,26
